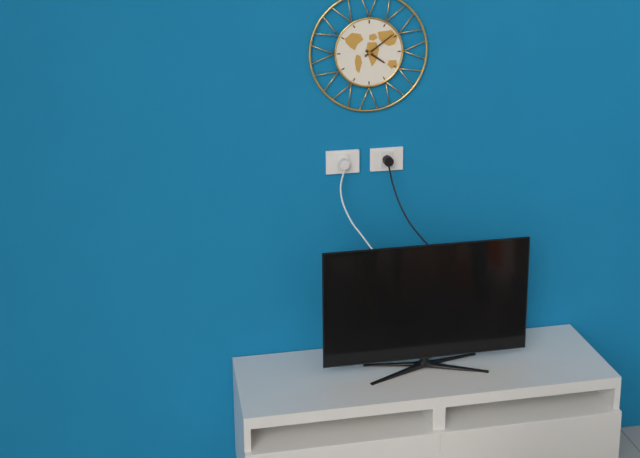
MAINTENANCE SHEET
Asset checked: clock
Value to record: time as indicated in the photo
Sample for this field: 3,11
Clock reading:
4,09
